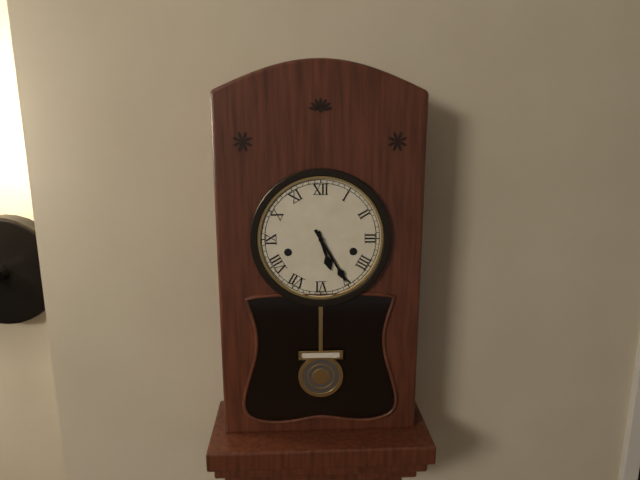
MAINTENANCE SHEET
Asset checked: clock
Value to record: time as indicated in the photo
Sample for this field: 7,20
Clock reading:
5,25
